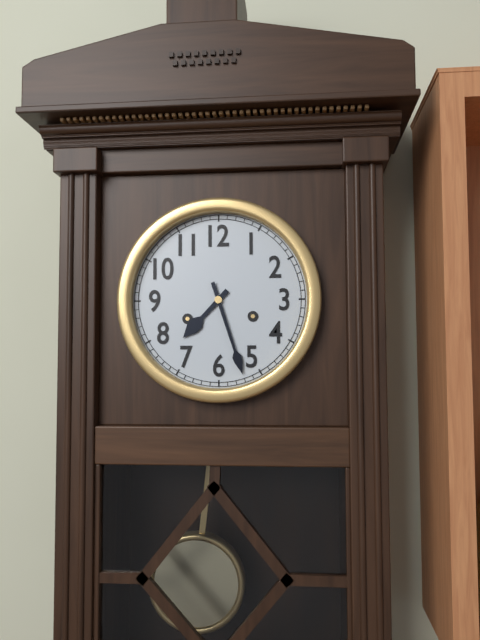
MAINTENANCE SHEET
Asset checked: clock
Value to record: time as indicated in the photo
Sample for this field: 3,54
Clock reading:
7,27
